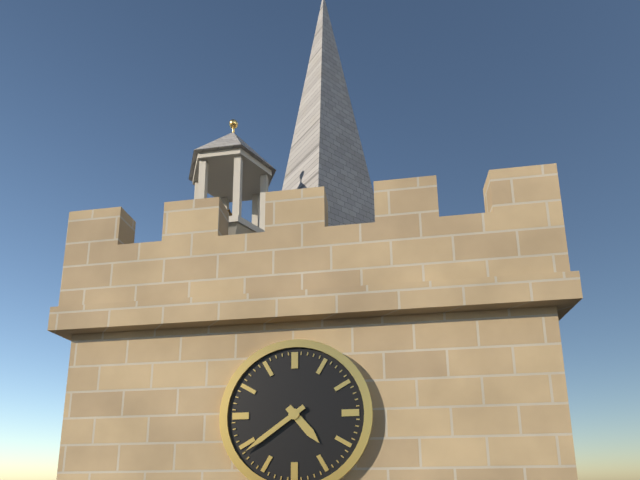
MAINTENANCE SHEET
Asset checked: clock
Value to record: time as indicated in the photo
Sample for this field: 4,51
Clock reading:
4,39
